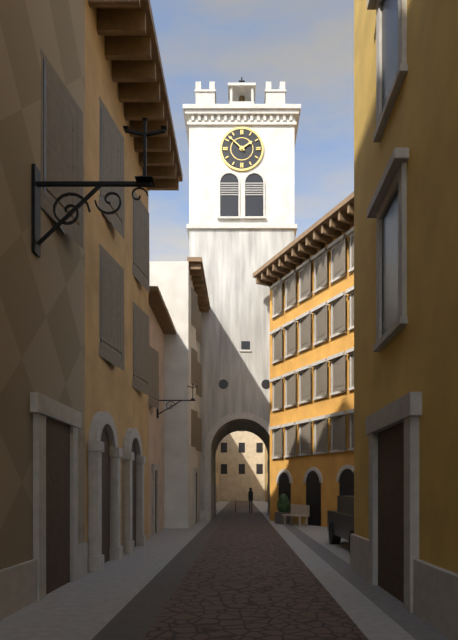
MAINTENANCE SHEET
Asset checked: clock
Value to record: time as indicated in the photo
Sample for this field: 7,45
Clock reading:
1,52
